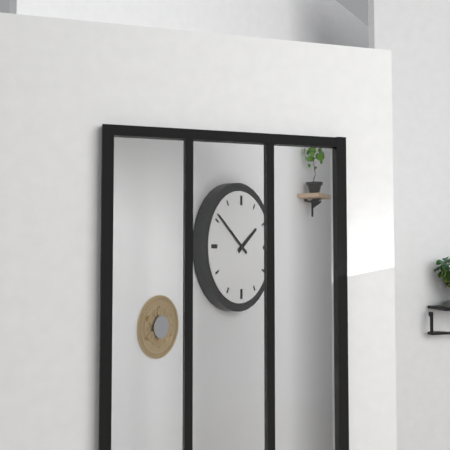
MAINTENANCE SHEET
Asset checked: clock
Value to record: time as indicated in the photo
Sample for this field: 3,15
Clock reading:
1,51
